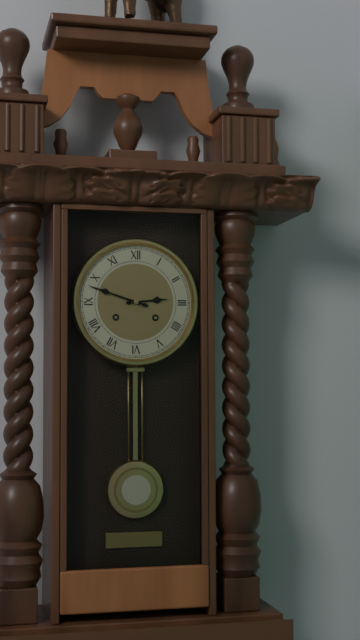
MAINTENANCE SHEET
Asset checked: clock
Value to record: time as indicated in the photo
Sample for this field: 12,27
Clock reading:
2,48
